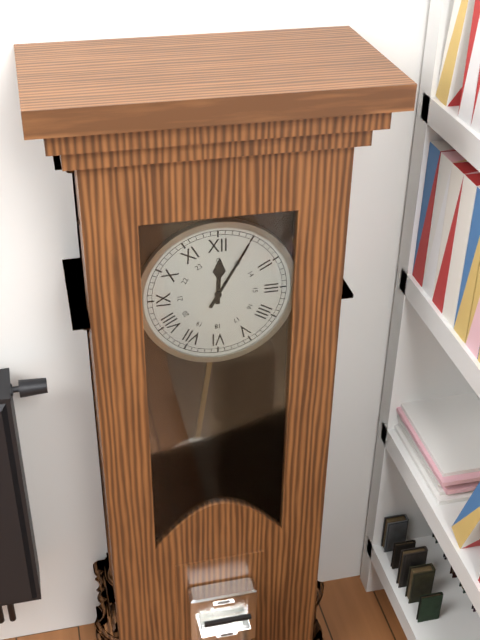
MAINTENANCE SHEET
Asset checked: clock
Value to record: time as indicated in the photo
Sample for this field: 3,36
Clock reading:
12,05
